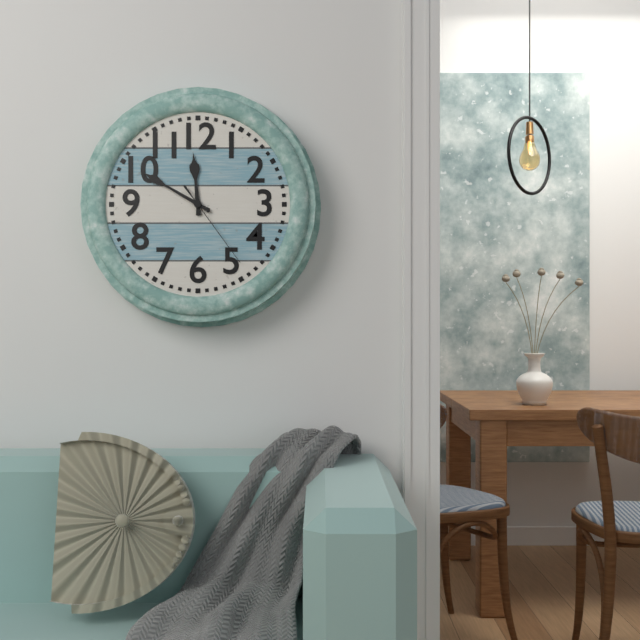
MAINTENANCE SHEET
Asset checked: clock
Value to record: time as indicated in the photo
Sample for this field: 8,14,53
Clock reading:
11,50,24
